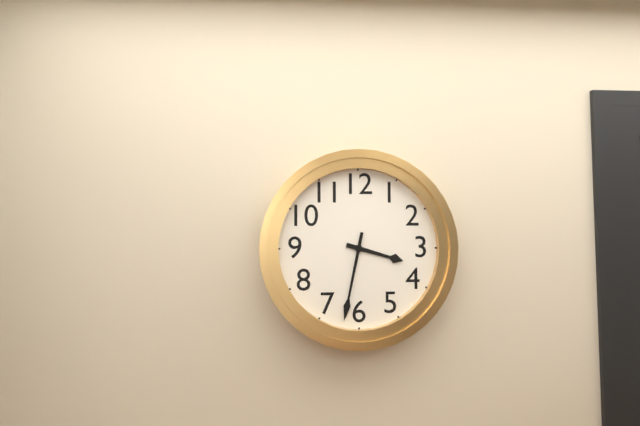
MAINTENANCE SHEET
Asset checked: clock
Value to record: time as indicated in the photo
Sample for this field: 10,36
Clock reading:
3,32
